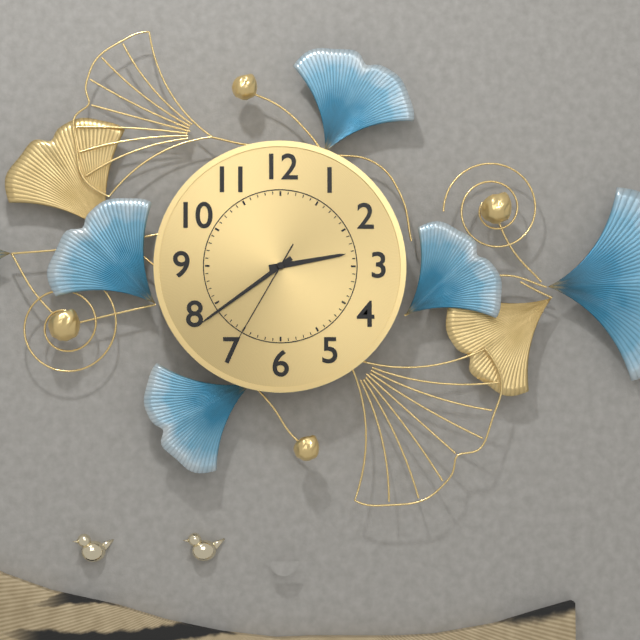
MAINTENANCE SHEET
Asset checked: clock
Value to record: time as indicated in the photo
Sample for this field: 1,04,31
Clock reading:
2,39,35
